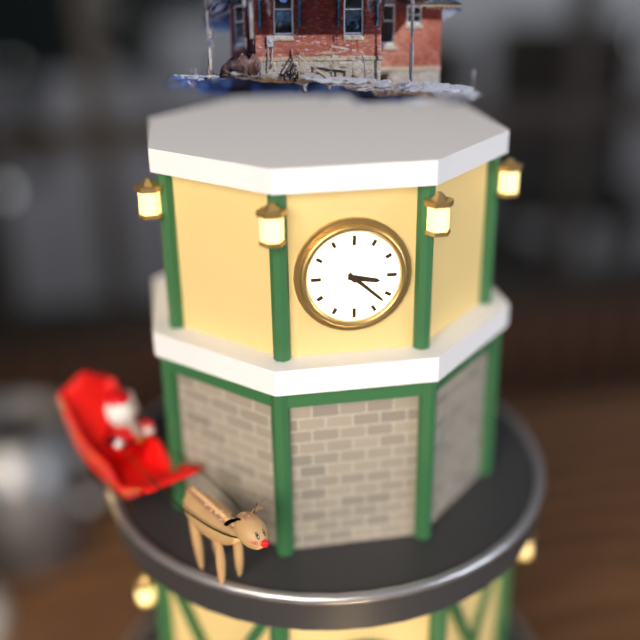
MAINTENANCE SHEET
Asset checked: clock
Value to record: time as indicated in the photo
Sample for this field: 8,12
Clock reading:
3,22
